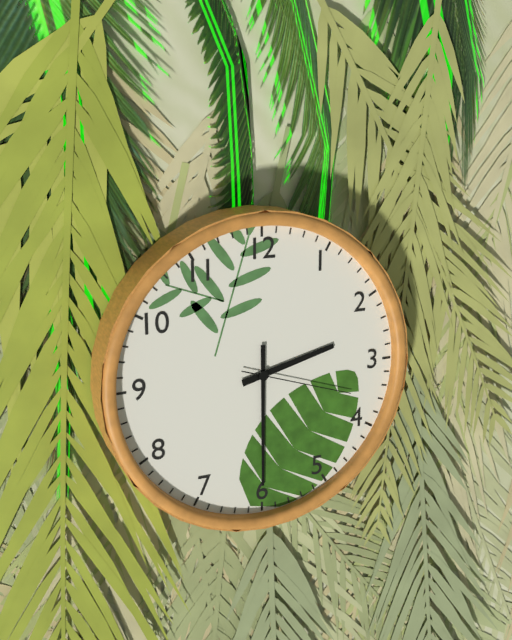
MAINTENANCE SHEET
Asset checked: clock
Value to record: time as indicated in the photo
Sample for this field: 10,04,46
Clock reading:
2,30,18
